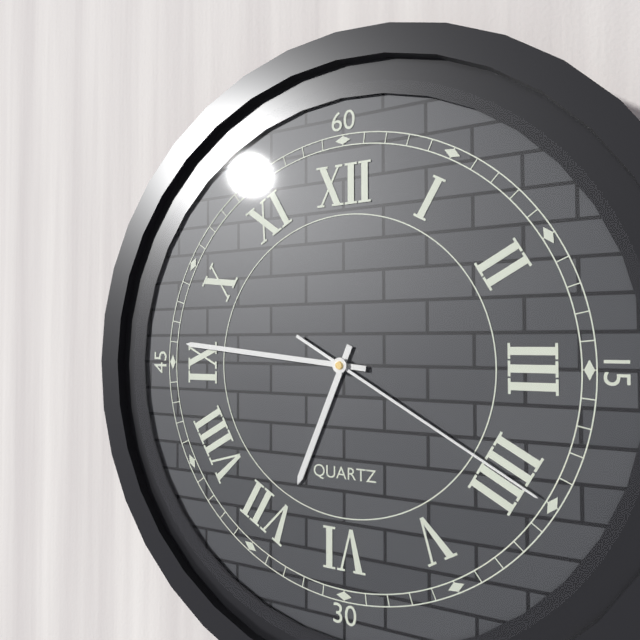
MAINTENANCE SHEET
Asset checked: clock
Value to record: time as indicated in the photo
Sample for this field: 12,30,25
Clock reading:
6,46,20
